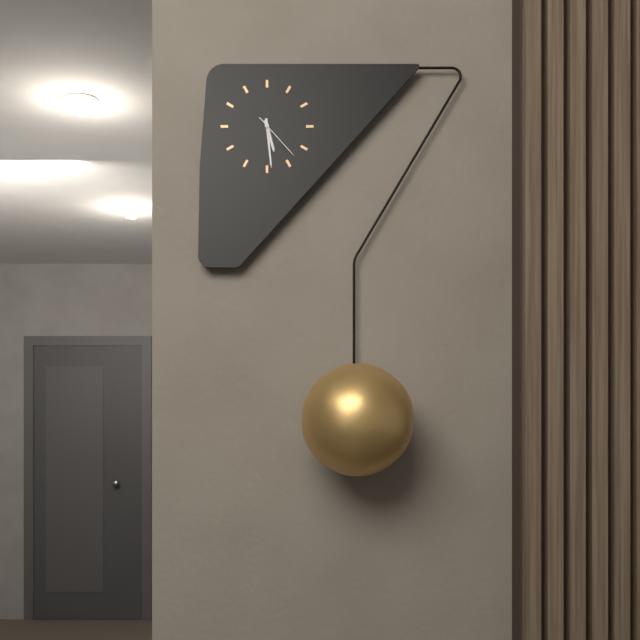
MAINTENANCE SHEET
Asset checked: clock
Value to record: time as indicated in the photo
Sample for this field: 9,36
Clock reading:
5,29
